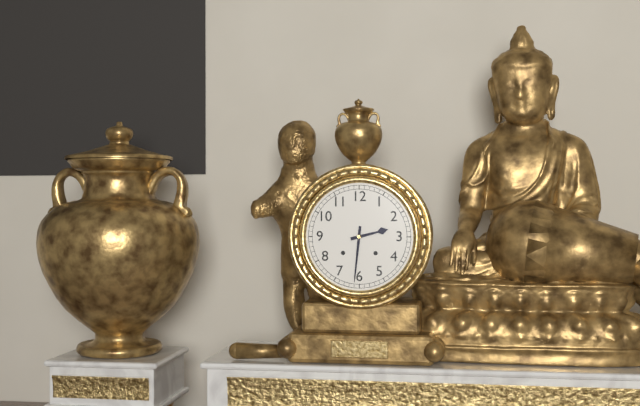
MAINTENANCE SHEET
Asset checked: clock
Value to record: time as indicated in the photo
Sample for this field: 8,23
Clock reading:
2,31
